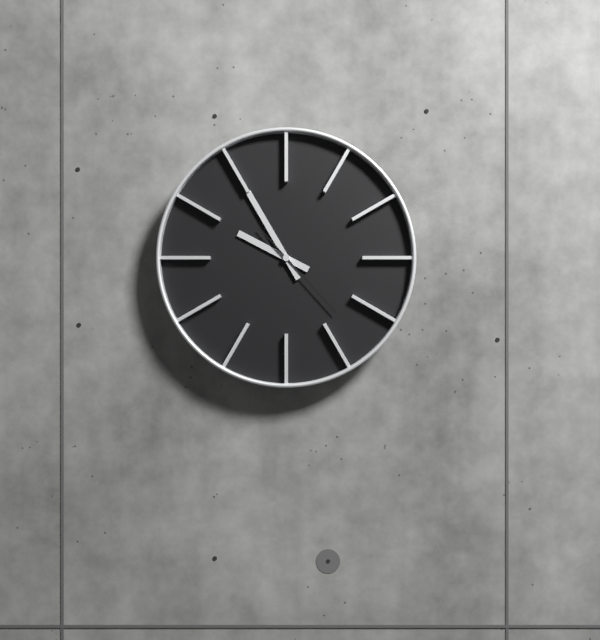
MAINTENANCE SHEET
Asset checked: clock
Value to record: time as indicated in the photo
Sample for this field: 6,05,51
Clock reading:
9,55,23
